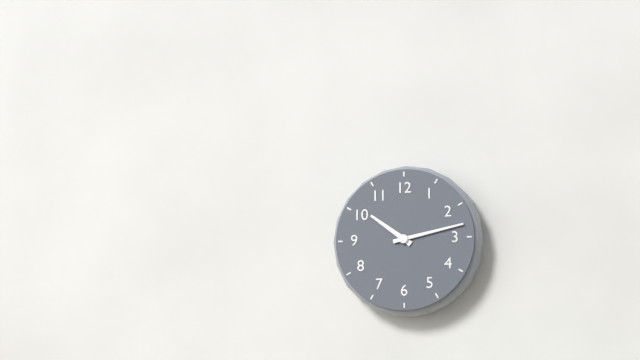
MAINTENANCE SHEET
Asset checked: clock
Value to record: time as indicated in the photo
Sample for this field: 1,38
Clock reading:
10,13
